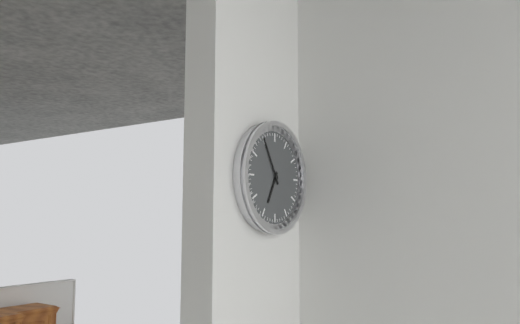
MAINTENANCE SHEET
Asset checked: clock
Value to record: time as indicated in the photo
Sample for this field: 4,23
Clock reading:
6,55
